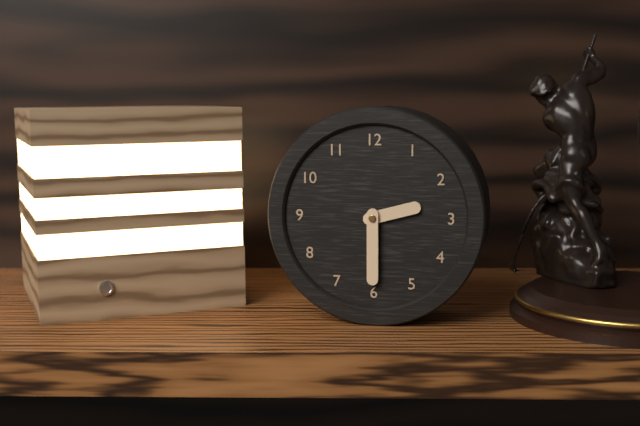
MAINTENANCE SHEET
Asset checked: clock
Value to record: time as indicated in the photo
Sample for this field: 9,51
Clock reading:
2,30
